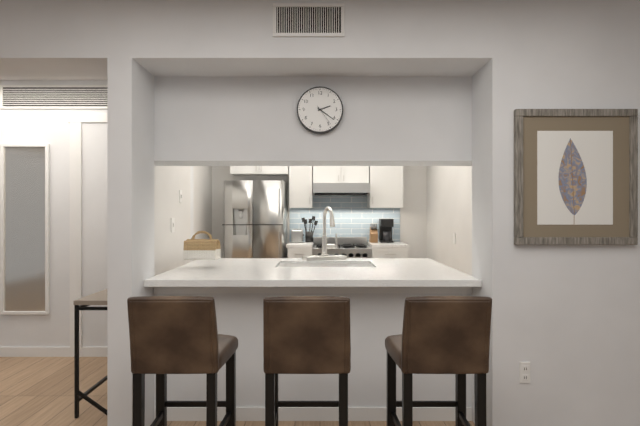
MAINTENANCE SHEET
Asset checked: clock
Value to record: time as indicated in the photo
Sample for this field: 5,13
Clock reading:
2,21
